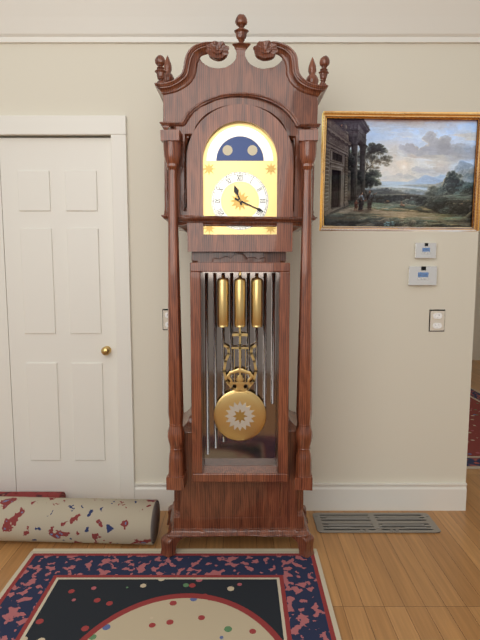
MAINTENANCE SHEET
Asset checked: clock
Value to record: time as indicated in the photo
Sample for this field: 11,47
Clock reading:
11,19
